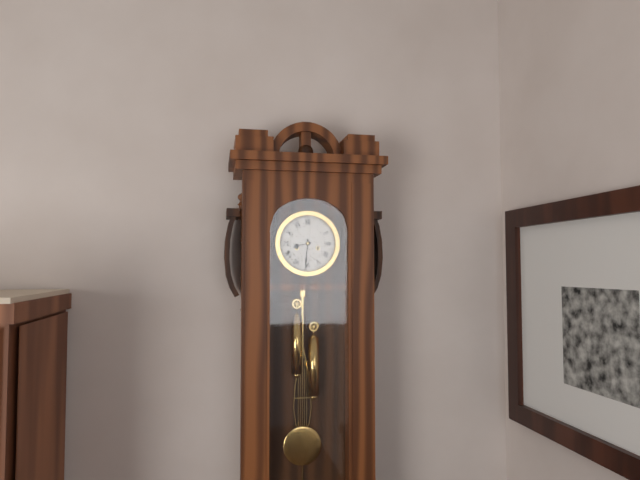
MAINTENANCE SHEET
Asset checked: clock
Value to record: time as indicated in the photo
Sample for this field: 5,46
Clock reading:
8,31
